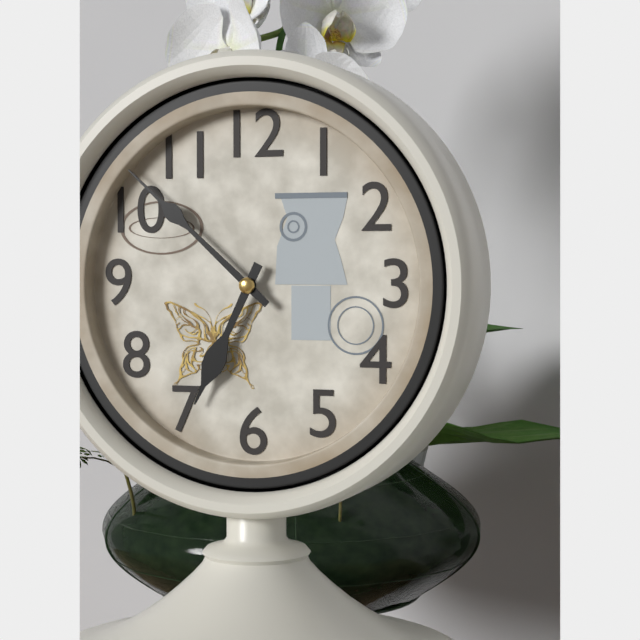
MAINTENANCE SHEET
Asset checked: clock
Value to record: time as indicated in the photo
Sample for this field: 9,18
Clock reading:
6,52
